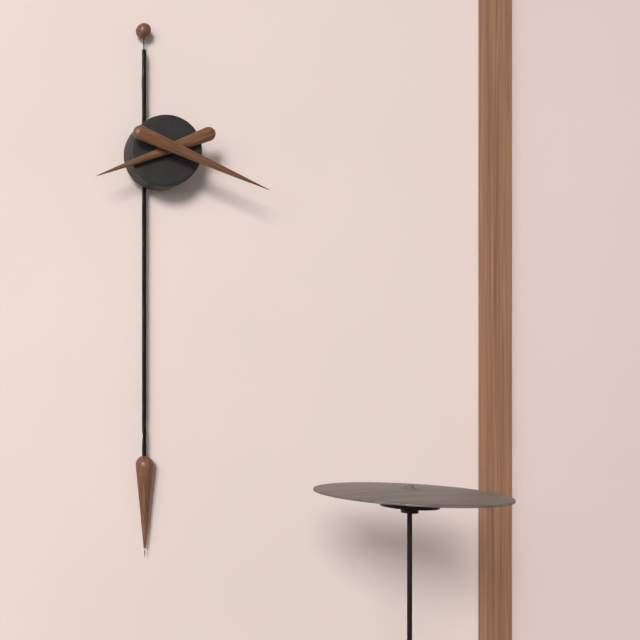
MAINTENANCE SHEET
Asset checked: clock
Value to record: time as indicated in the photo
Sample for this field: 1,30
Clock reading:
8,19
